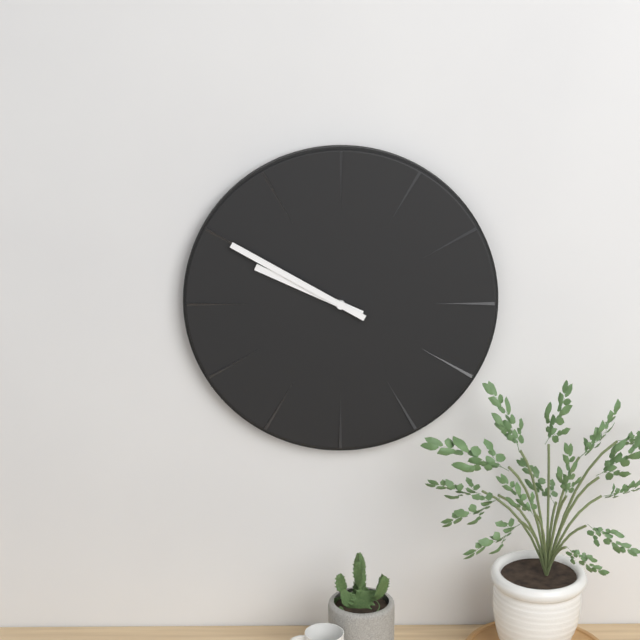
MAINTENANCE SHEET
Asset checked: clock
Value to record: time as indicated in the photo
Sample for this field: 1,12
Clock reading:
9,50
